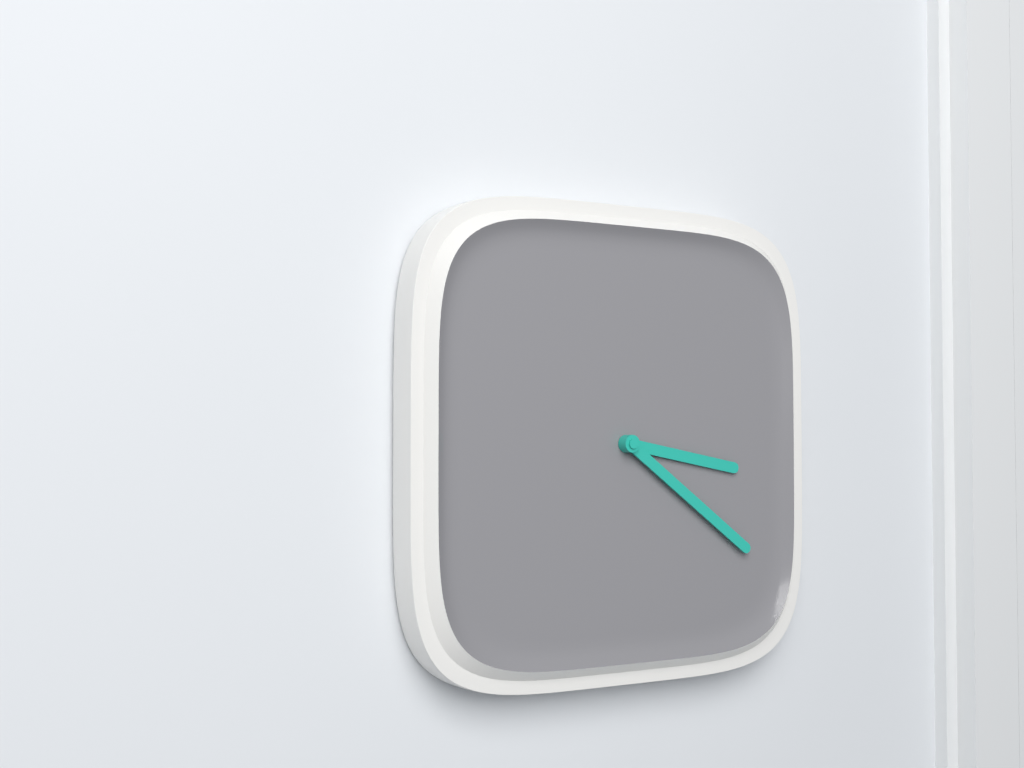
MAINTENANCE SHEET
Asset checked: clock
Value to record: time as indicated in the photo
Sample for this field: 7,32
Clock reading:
3,21
